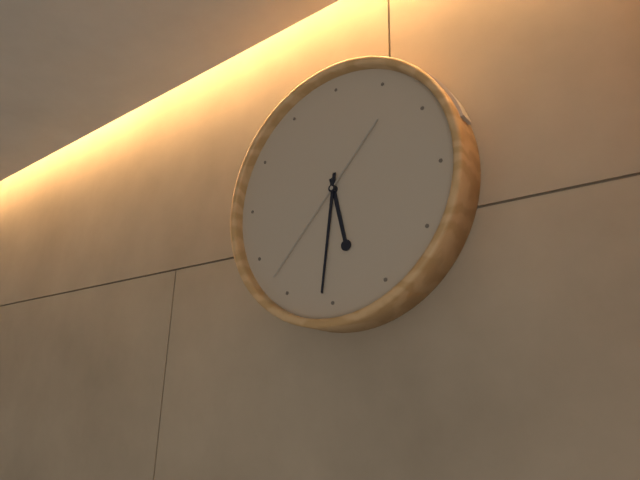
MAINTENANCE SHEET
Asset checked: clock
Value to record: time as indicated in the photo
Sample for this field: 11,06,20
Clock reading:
5,31,37
